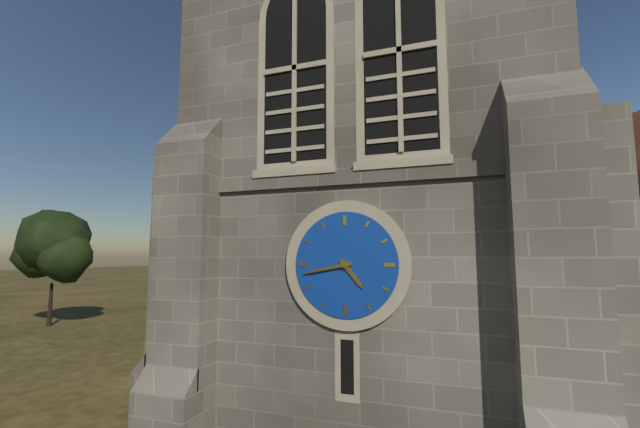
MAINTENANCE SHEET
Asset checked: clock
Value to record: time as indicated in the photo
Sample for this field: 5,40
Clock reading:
4,43
